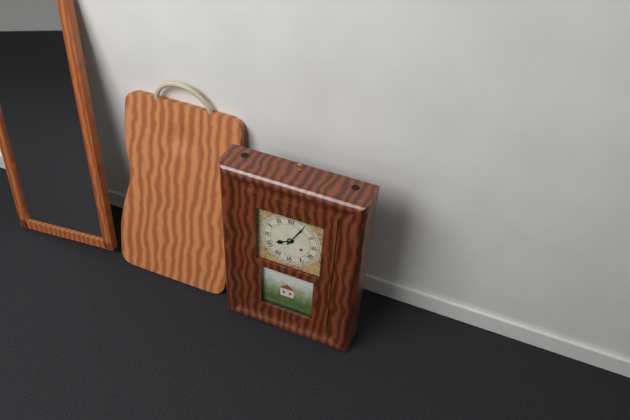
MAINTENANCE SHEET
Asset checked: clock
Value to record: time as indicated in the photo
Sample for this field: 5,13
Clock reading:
8,05
